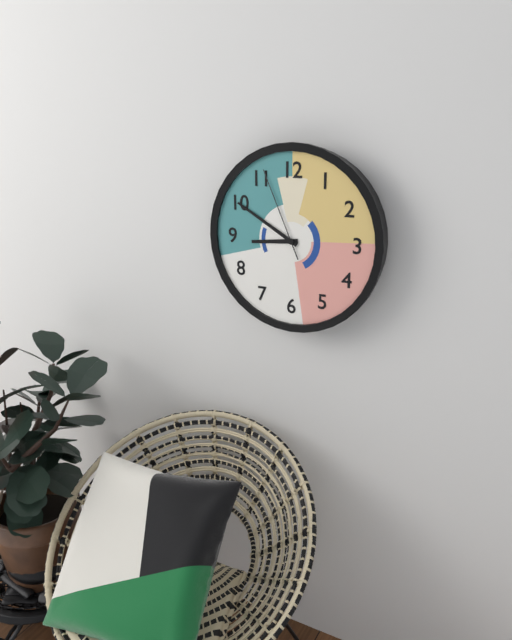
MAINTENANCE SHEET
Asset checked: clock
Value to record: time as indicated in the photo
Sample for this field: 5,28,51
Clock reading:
8,50,56
